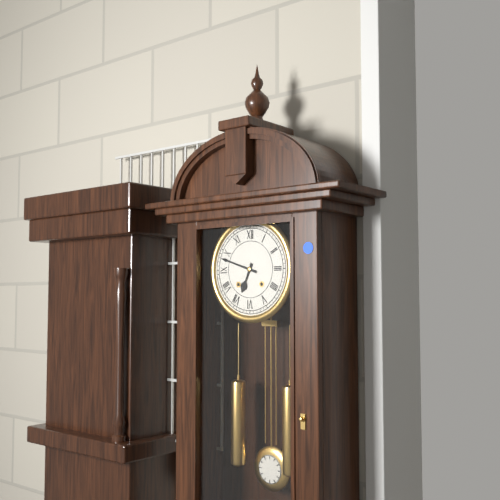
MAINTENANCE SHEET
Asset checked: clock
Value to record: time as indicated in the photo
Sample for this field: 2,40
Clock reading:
6,48
